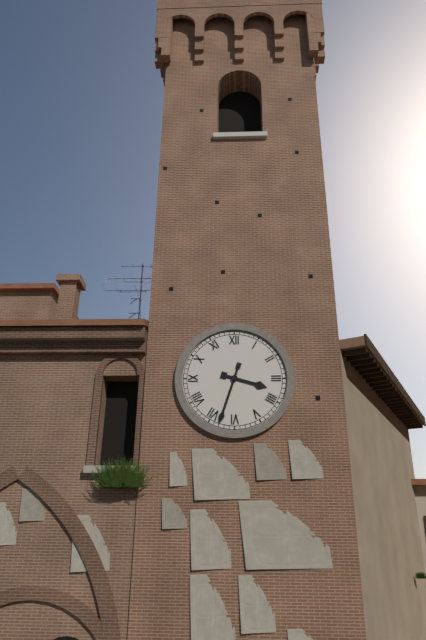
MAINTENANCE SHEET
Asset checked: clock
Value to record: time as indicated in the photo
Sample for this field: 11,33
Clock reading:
3,33
